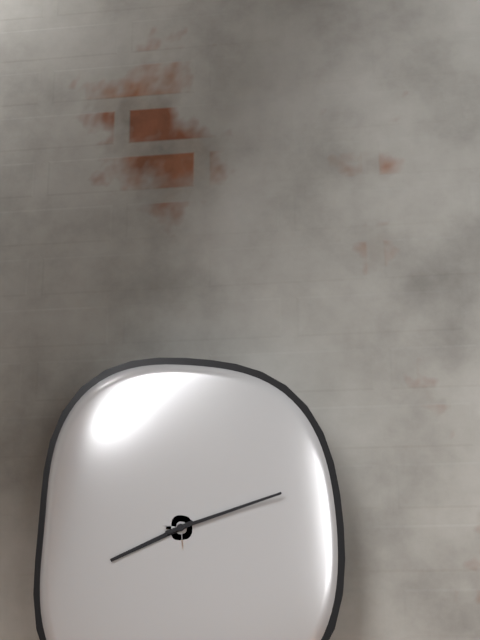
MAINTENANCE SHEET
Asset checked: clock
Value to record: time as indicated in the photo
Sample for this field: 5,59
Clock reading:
8,12
